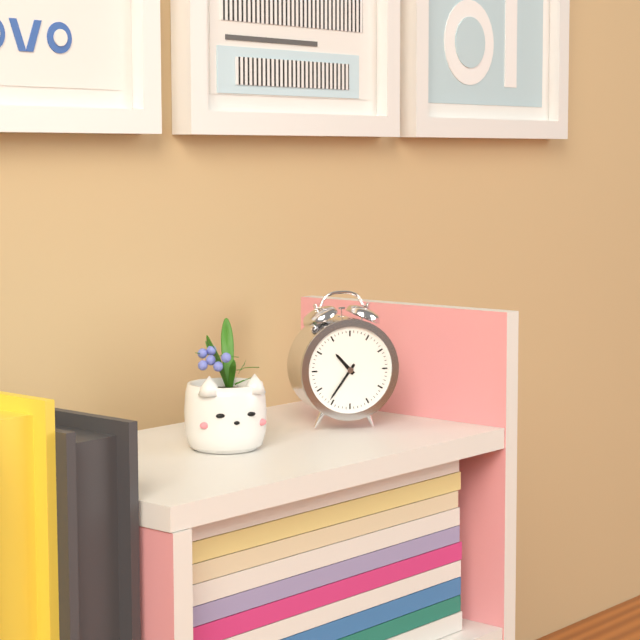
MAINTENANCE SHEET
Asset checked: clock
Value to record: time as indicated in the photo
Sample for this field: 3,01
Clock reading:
10,36
